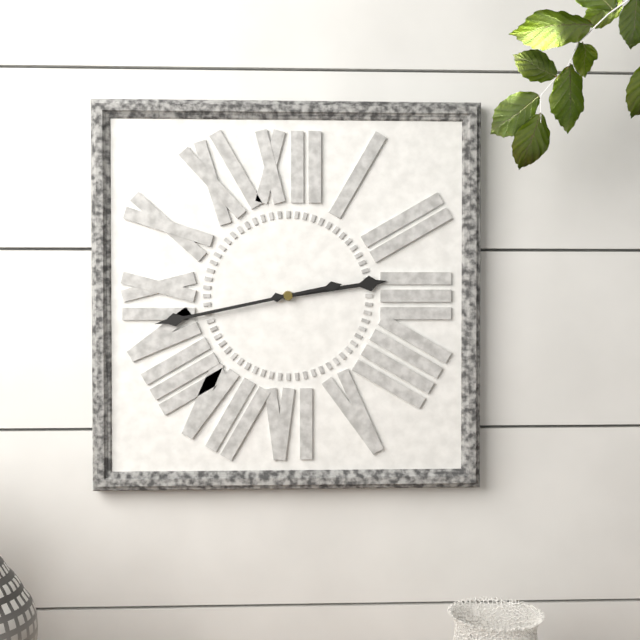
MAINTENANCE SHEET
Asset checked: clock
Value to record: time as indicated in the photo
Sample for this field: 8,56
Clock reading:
2,43
